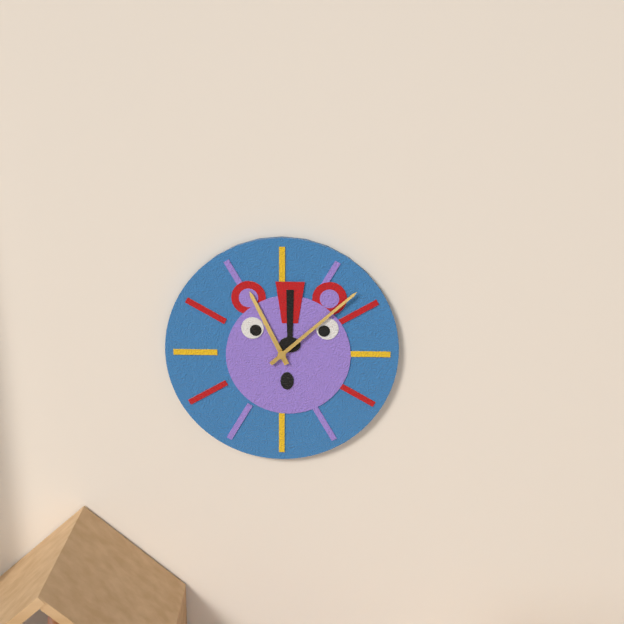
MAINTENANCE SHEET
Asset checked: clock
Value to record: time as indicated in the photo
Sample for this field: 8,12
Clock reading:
11,08
